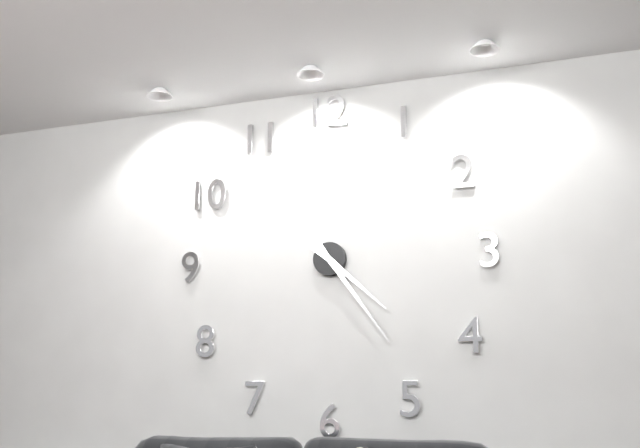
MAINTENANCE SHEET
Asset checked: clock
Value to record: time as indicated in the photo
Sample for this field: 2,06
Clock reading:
4,24
